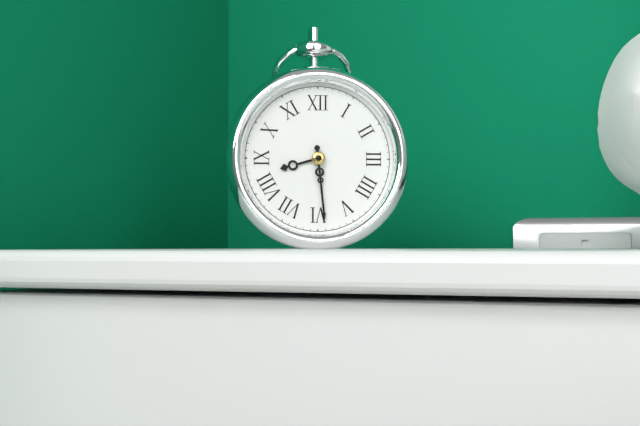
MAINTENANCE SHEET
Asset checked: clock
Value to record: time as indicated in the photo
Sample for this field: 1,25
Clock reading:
8,29
